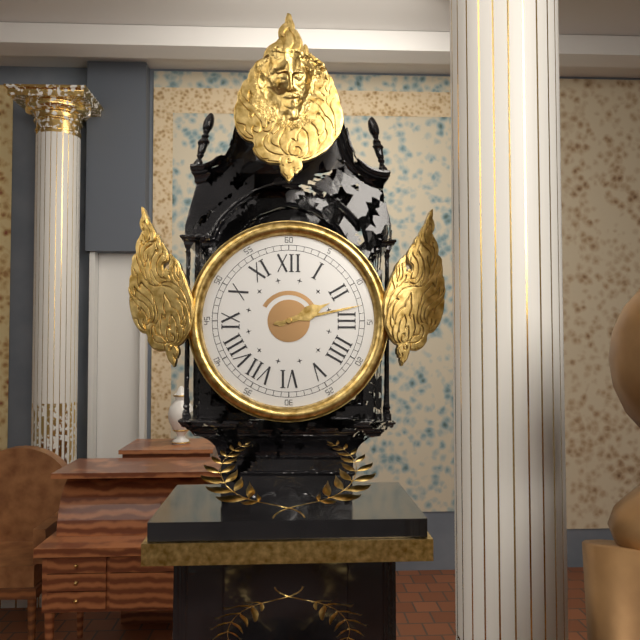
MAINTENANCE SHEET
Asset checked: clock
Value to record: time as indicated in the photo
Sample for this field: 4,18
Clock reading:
2,13
